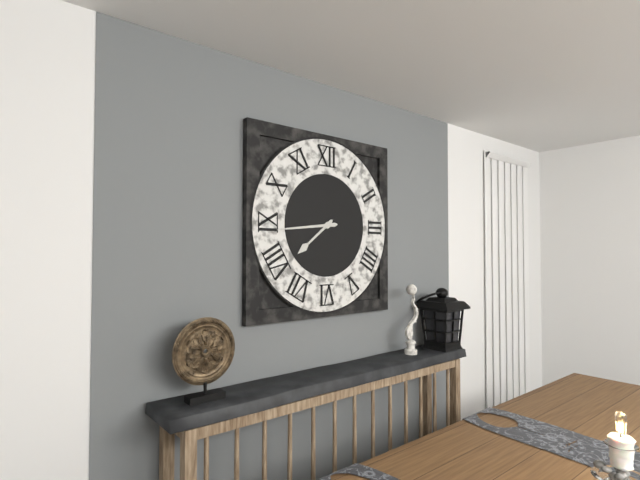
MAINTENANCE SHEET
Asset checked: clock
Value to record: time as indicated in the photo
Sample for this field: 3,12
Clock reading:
7,44
